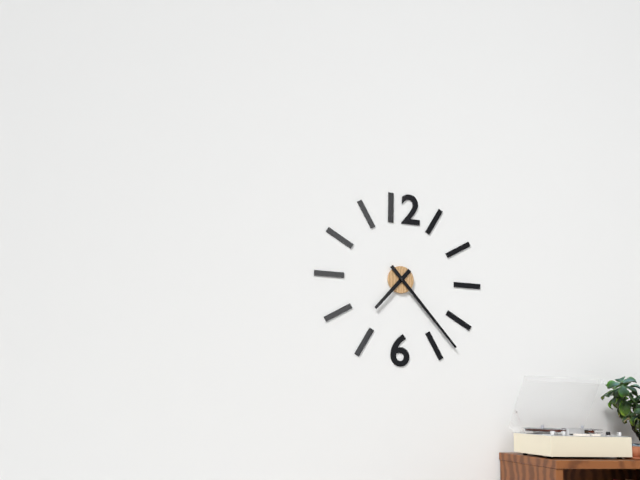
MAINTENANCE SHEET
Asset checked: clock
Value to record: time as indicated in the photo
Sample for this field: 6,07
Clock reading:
7,23
